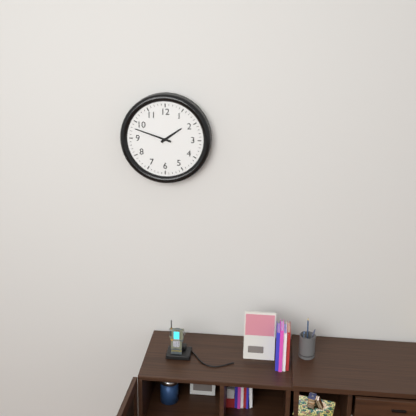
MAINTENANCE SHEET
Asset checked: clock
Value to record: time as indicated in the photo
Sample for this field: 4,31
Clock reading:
1,48
